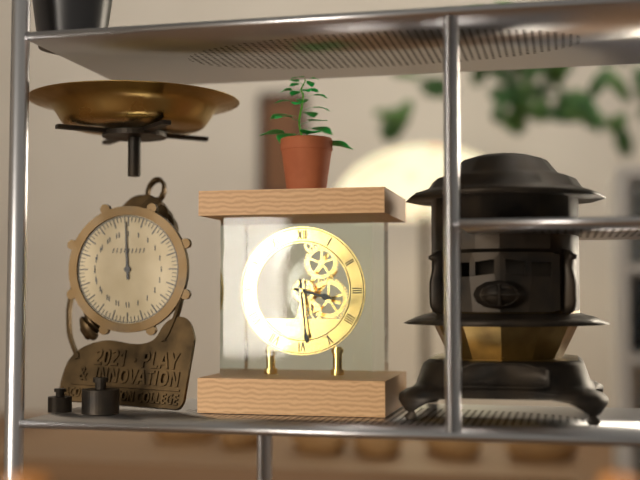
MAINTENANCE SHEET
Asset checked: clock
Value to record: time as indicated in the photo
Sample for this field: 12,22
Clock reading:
3,29
